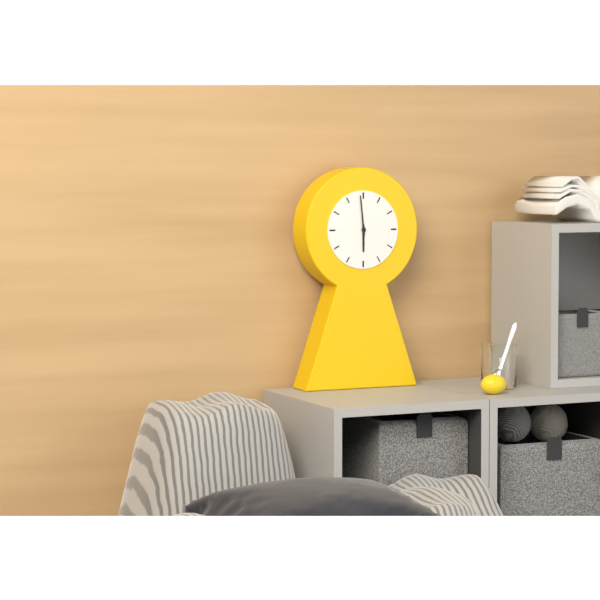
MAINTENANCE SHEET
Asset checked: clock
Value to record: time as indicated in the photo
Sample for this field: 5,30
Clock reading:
5,59
